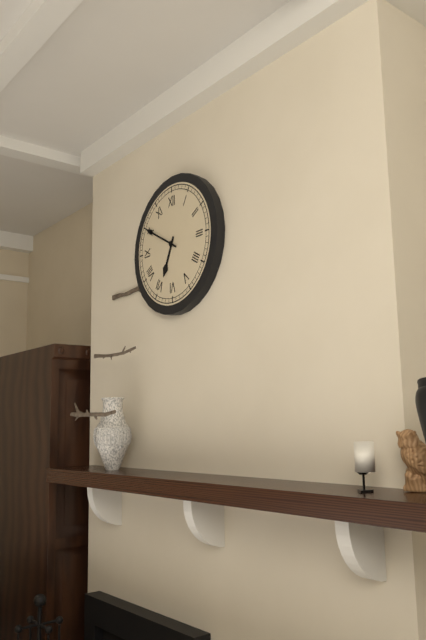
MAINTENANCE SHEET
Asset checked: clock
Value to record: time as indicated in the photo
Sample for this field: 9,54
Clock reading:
6,50
